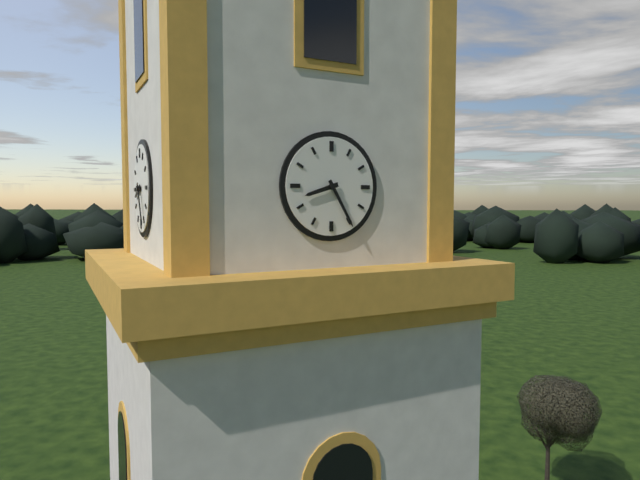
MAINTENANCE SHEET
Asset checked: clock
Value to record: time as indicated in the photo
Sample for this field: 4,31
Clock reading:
8,25
